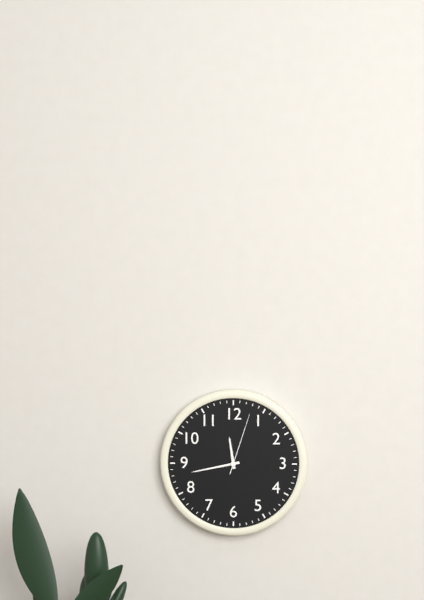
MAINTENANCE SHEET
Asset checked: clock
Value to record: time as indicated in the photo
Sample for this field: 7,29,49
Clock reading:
11,43,03
